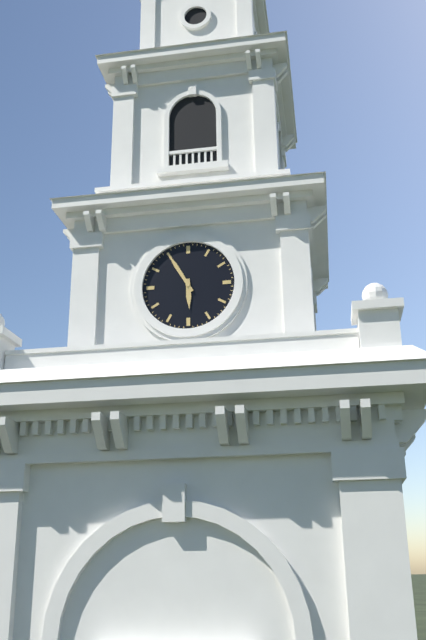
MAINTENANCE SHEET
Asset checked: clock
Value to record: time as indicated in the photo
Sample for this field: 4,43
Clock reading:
5,55
